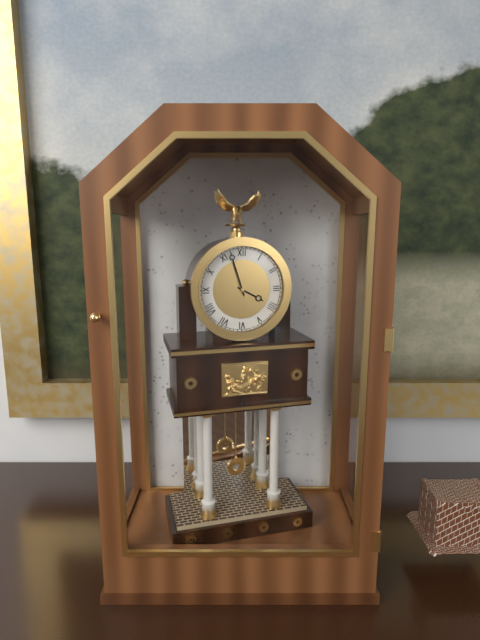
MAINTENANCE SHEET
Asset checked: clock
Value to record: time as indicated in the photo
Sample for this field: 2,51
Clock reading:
3,57
